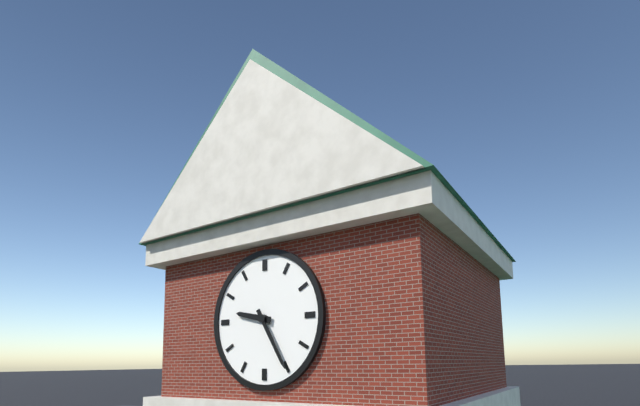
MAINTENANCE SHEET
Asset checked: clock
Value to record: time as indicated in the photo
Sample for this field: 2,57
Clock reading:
9,25
